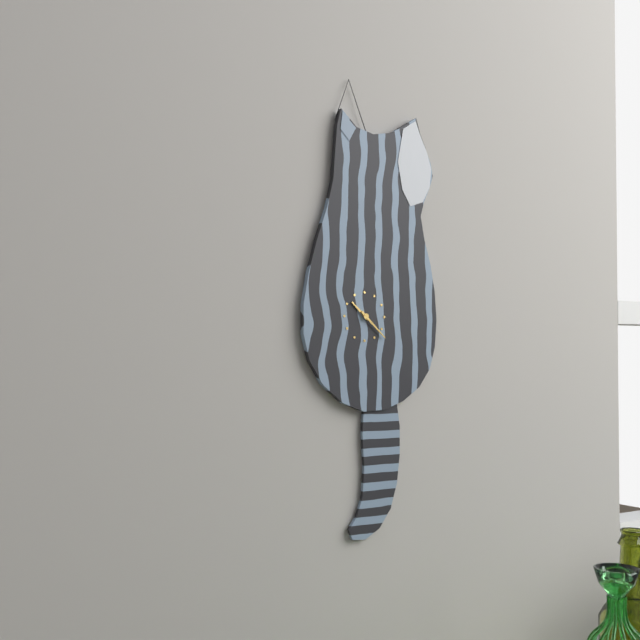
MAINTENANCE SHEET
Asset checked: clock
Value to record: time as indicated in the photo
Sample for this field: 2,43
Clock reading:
10,22
